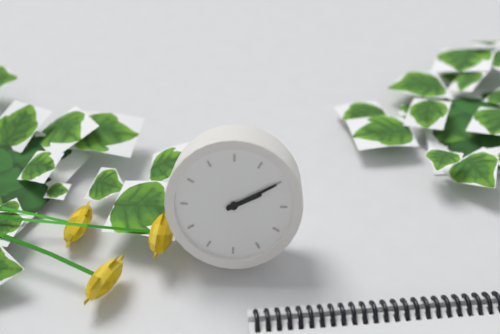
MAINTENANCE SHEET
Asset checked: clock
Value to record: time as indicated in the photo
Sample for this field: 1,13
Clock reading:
2,10
